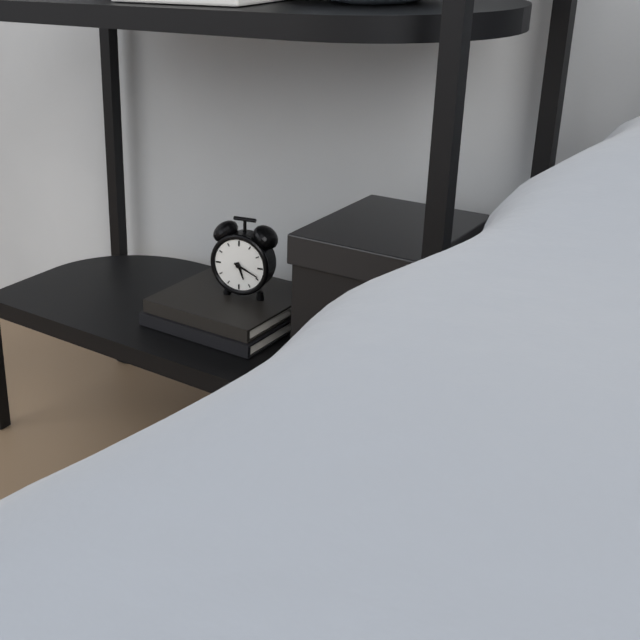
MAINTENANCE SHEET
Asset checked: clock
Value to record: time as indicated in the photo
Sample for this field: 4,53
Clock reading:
5,19
